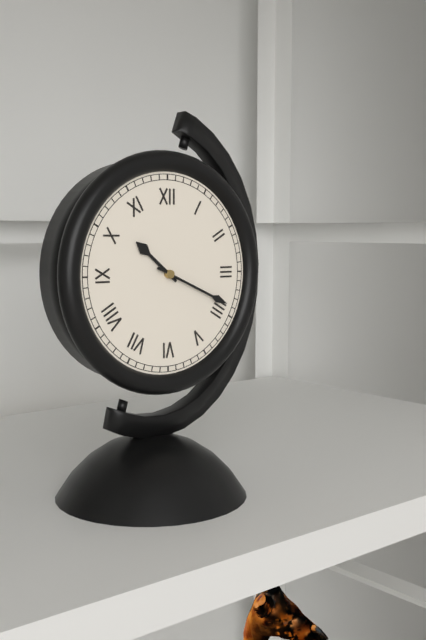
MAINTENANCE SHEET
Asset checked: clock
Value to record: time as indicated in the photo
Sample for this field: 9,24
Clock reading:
10,19
